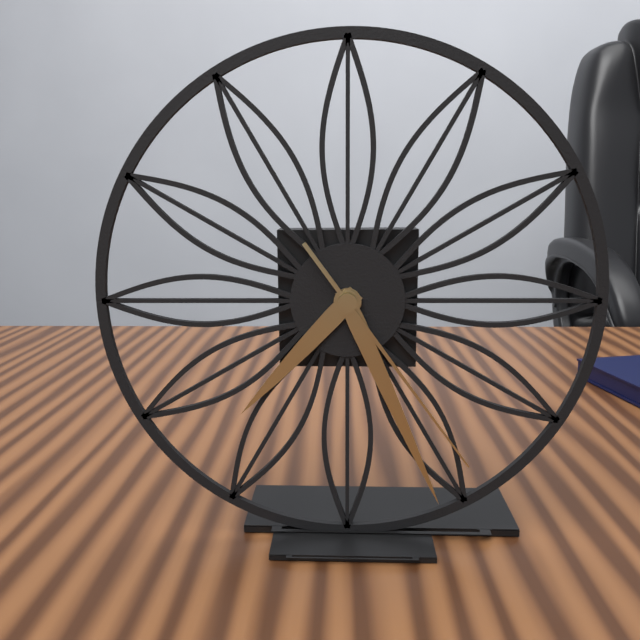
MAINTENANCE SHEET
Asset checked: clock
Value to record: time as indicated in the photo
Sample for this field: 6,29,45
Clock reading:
7,26,24
